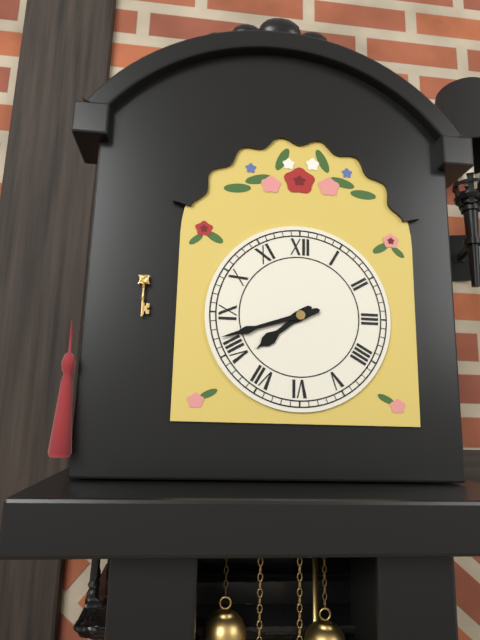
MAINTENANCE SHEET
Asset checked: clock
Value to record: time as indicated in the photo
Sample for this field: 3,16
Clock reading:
7,42
